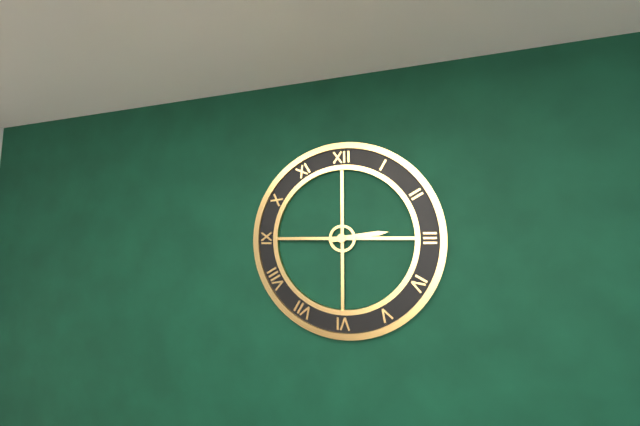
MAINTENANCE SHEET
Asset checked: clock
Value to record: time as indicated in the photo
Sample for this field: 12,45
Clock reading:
2,45
